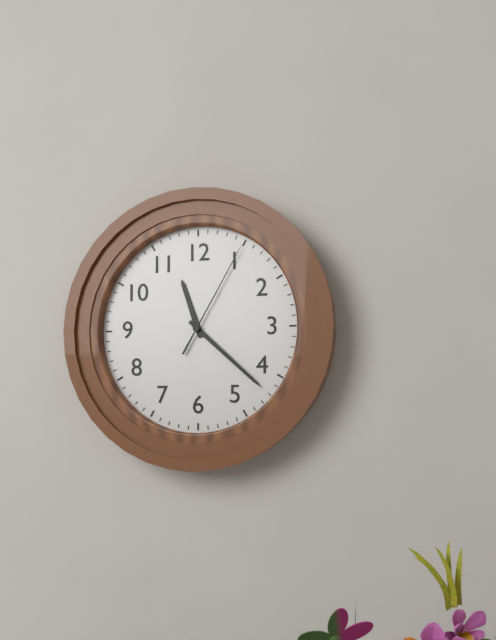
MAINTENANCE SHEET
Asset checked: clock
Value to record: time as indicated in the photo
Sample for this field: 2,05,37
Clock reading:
11,22,05
